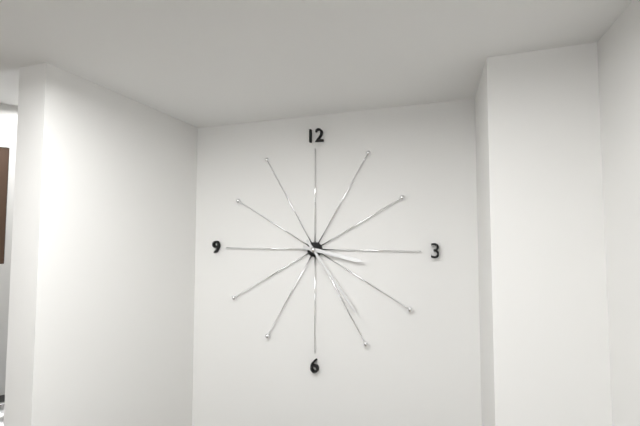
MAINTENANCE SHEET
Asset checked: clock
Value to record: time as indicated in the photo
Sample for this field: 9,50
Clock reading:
3,24
